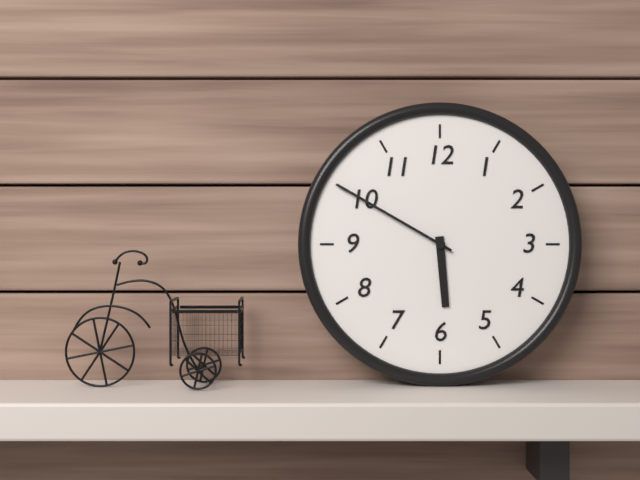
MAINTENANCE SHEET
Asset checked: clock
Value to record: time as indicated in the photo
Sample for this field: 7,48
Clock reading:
5,50
